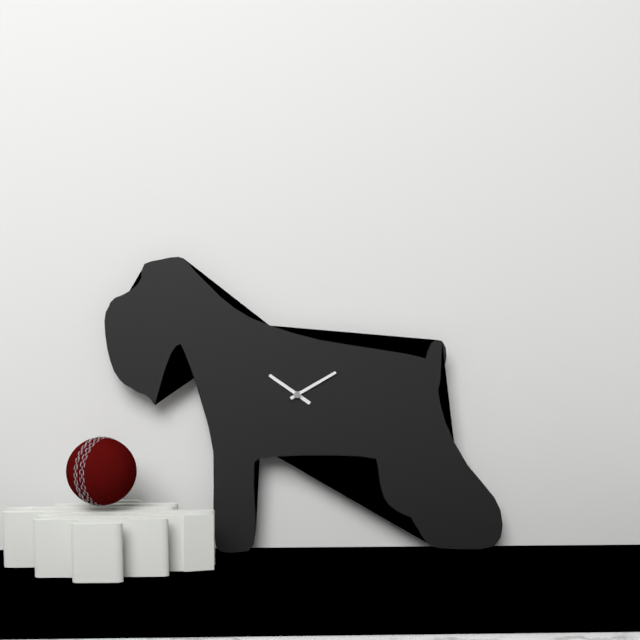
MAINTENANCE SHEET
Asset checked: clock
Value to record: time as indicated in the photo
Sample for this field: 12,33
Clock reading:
10,10
